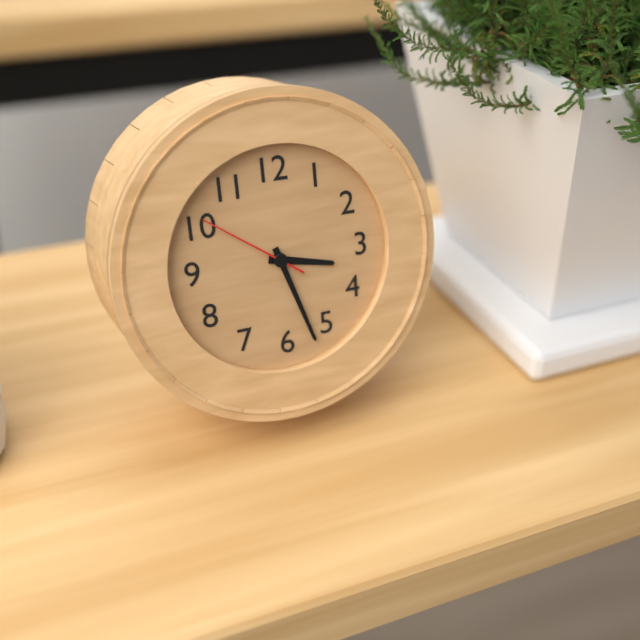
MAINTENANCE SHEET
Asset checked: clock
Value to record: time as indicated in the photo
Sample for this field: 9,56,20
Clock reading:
3,27,51
